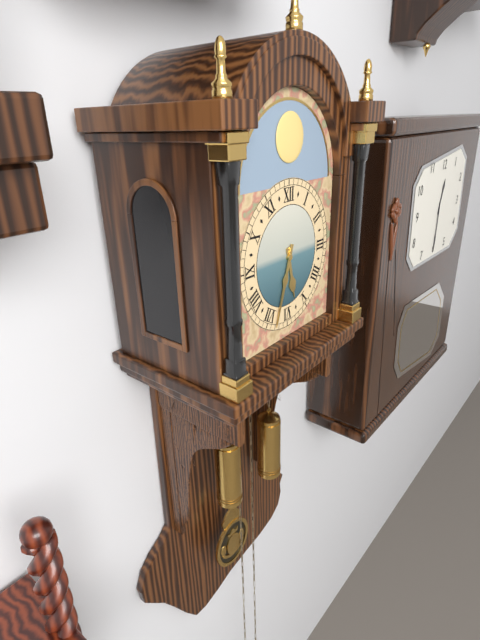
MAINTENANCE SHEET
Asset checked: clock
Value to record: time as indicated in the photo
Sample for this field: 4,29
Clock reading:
5,33
